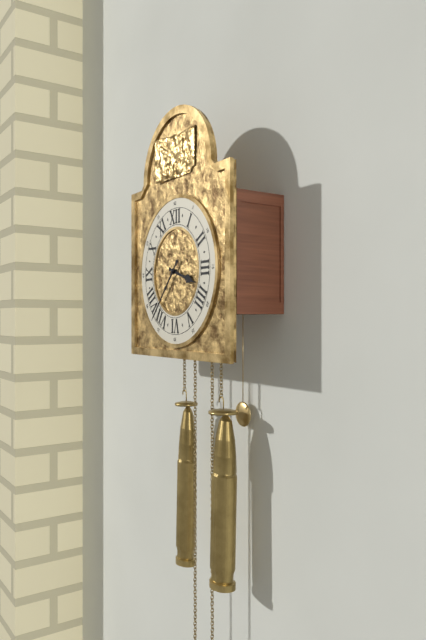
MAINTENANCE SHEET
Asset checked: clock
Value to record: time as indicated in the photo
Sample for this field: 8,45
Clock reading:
3,37
